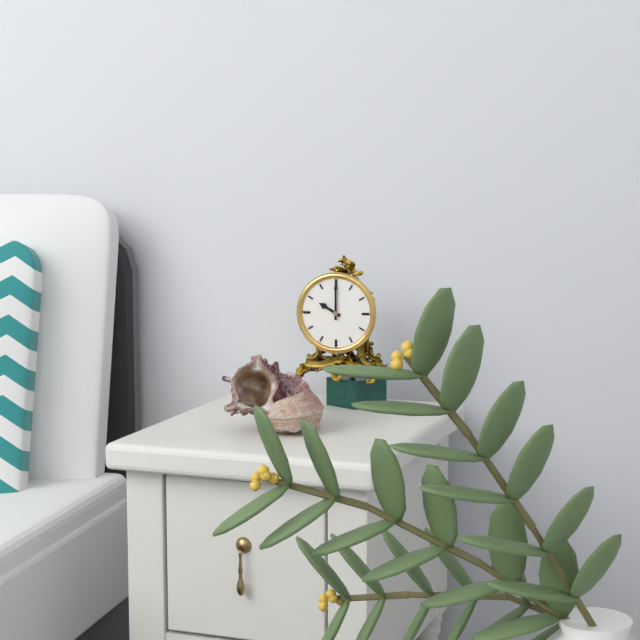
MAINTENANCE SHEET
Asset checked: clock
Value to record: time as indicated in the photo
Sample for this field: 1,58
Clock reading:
10,00
